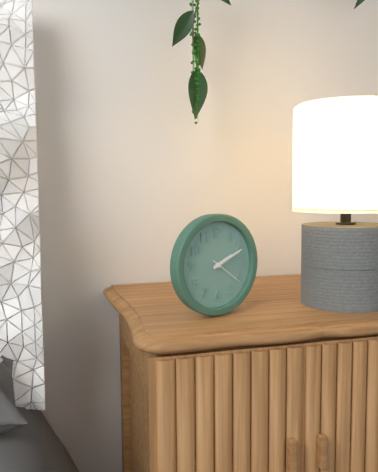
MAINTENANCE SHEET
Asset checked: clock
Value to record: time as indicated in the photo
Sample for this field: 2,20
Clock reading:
2,11
